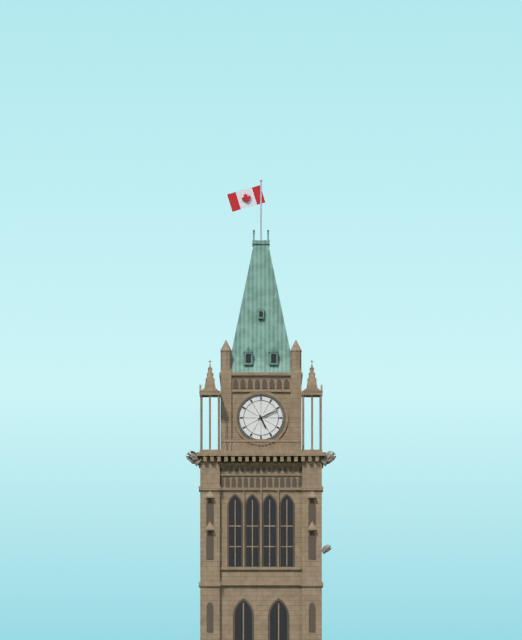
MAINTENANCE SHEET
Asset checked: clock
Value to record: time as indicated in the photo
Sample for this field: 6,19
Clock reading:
5,11
